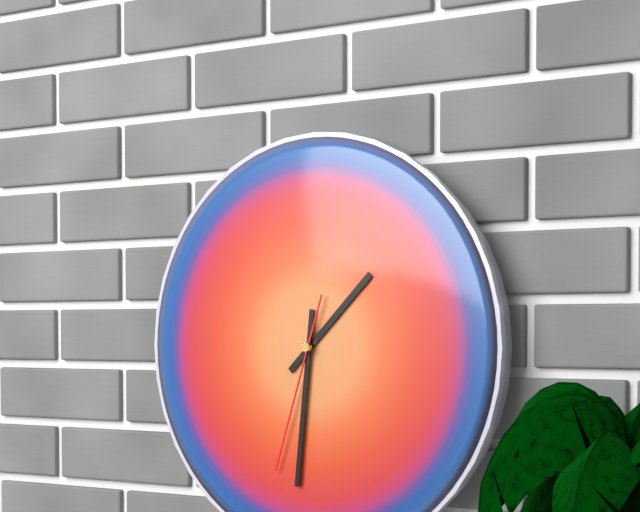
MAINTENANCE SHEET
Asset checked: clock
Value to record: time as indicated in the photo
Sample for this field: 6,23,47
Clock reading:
1,31,33
